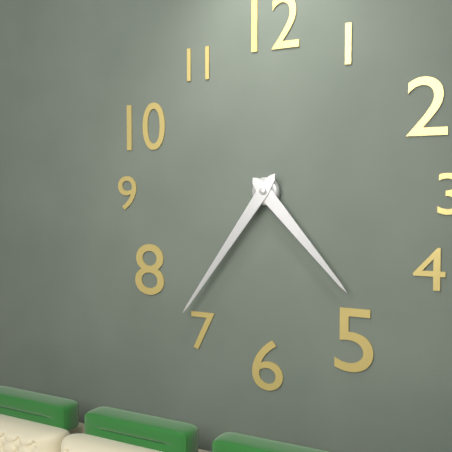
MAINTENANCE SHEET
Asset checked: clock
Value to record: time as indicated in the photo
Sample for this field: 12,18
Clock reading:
4,36
